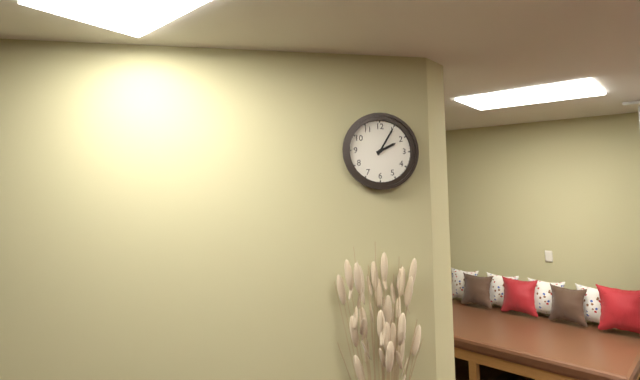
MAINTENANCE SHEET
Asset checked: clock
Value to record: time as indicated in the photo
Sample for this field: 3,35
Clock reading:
2,05
